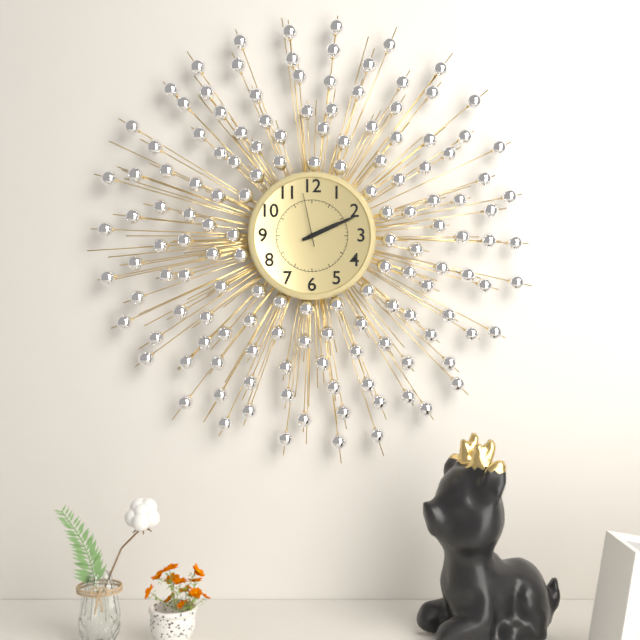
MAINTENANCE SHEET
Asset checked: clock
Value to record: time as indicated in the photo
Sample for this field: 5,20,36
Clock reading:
2,11,58
